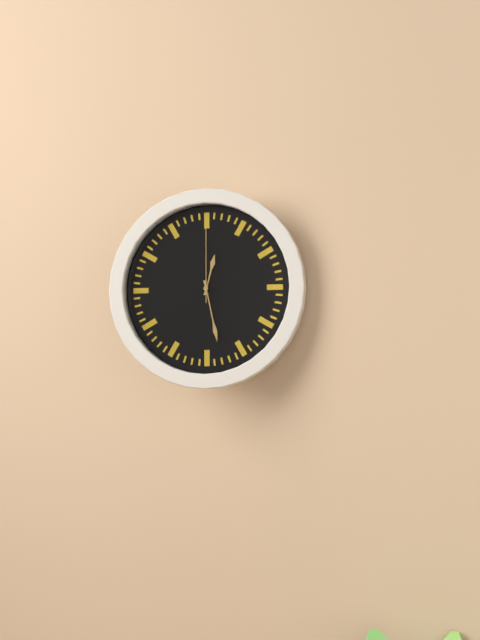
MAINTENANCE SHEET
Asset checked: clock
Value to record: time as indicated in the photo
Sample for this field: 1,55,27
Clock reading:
12,28,00
